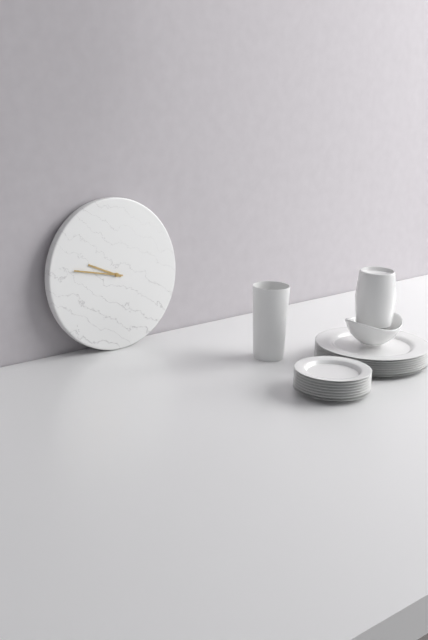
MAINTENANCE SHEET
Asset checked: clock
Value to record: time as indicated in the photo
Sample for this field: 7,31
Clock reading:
9,47
